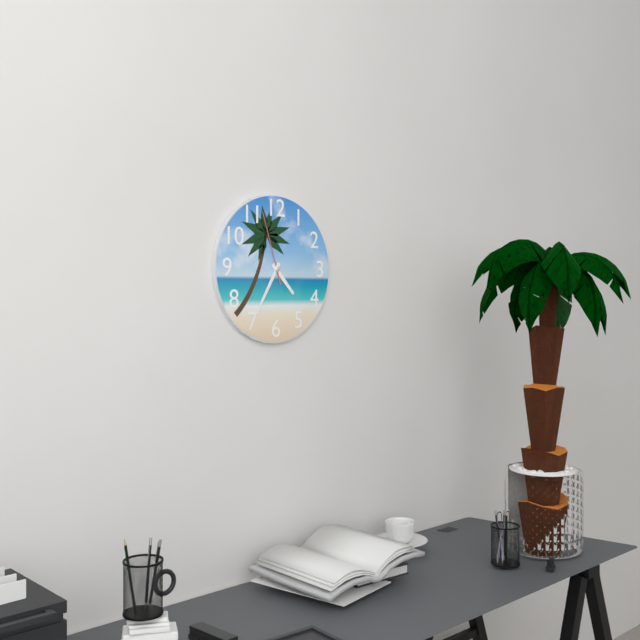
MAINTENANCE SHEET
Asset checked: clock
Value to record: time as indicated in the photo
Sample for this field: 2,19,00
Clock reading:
4,35,57
